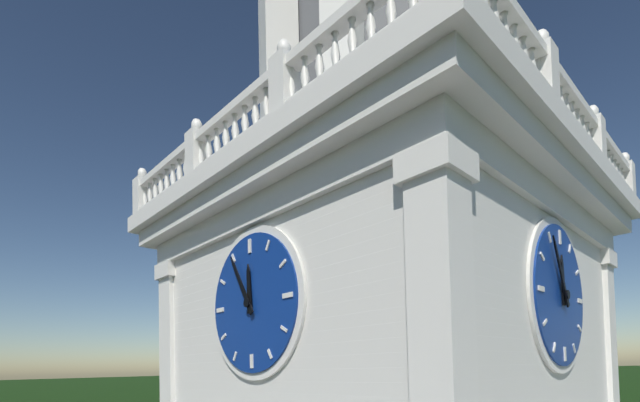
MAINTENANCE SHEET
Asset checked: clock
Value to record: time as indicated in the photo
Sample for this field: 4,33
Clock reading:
11,55
